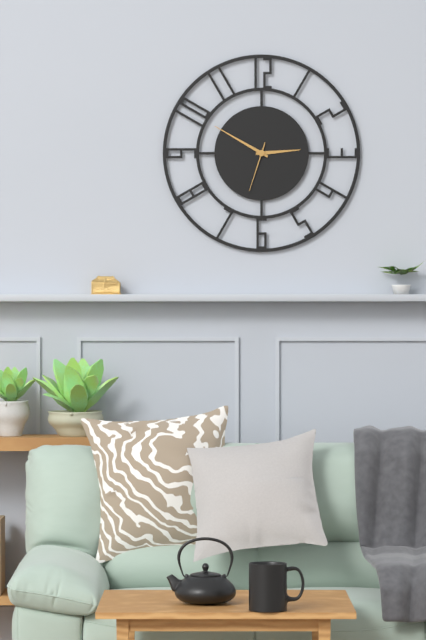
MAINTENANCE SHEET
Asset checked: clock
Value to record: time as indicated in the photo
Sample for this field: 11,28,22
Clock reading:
2,50,33
